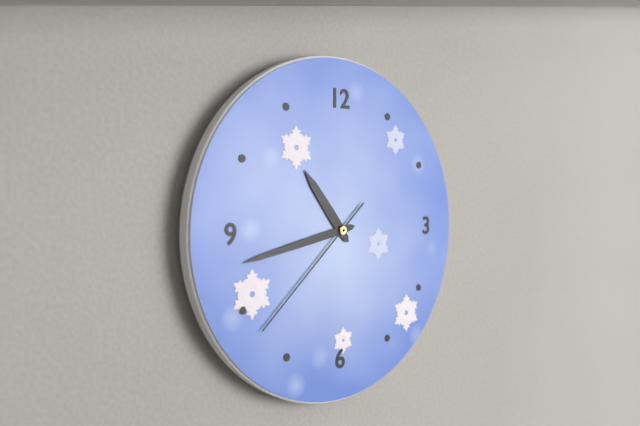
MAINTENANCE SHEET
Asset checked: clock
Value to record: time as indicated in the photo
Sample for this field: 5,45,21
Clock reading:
10,43,38
